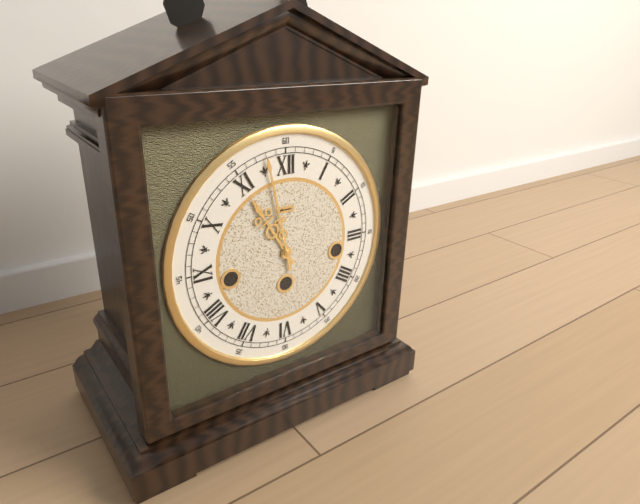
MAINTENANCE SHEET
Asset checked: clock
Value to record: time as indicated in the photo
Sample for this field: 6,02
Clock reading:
10,58
